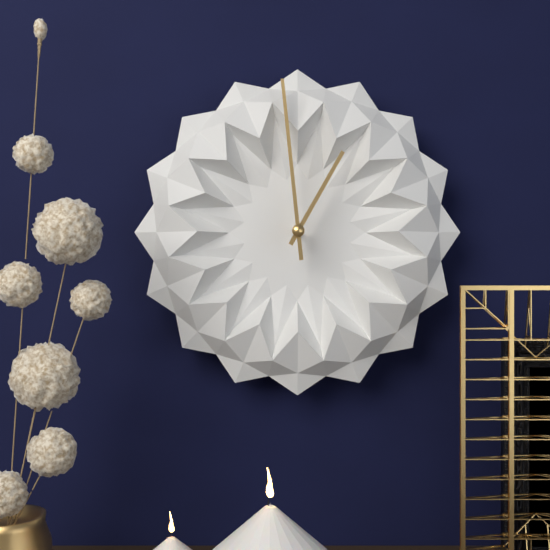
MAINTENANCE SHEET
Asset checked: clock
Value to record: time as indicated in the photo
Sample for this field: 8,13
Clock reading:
12,59
